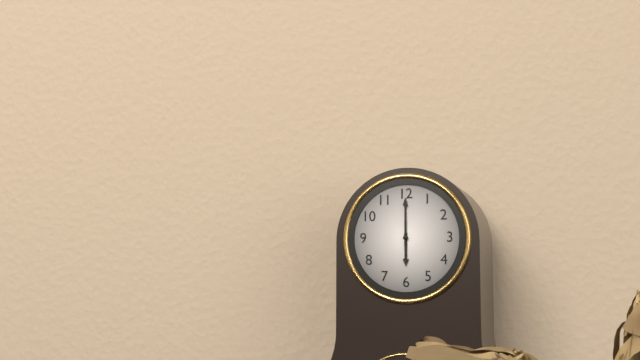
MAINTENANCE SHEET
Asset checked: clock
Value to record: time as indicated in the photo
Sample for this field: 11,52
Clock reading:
6,00
